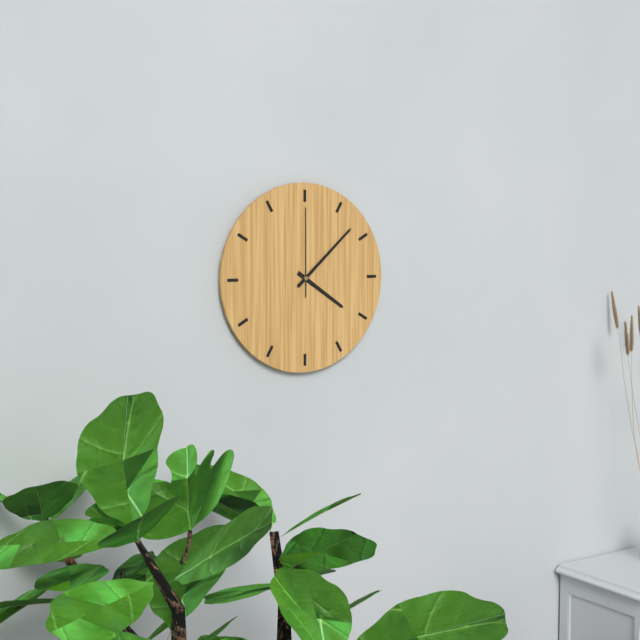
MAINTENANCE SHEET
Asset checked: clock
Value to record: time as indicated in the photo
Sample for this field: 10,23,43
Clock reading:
4,08,00
